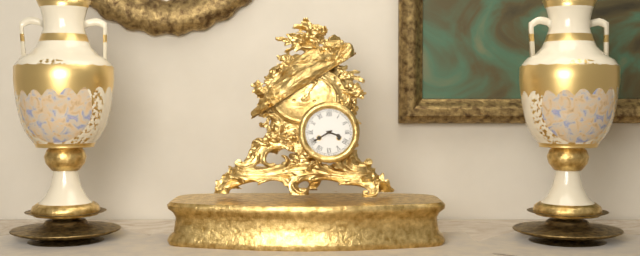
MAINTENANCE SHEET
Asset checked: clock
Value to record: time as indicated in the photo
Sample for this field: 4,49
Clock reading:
3,40
